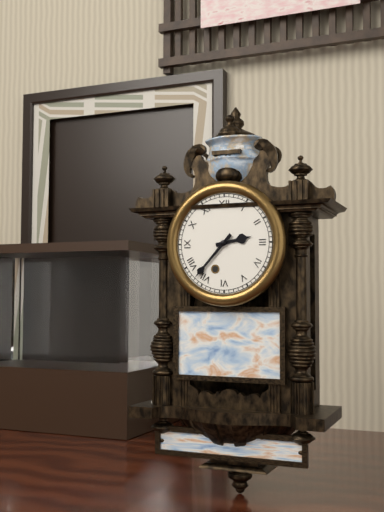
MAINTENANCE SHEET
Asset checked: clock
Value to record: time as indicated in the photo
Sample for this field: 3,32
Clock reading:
2,37
